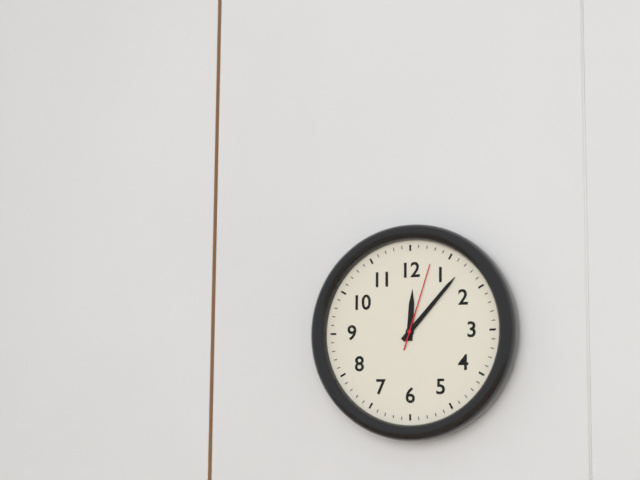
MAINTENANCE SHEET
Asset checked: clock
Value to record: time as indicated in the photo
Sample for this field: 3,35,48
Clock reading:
12,07,03
